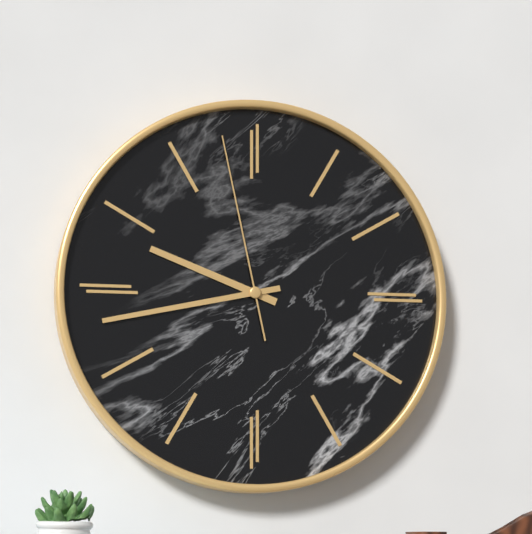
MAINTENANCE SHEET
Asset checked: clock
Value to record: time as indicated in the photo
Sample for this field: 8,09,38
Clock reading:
9,43,58
